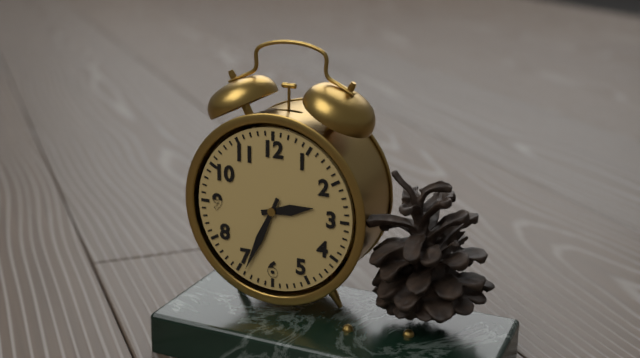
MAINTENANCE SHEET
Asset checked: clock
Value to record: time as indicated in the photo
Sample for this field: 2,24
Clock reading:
2,34
